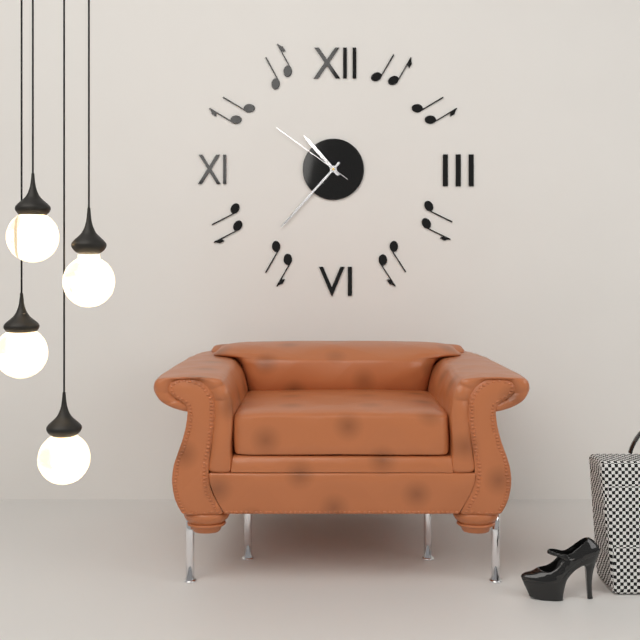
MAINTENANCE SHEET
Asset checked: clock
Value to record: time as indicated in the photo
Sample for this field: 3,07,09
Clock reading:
10,37,51
